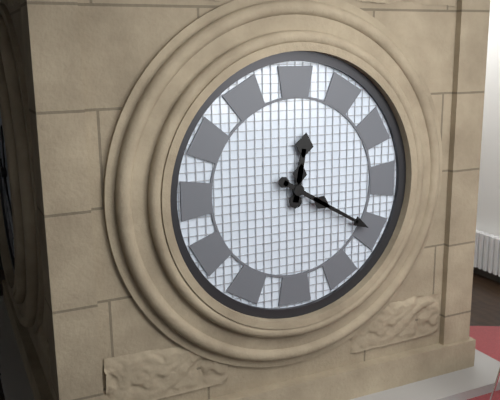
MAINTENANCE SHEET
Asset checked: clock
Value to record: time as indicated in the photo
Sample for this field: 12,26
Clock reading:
12,20
